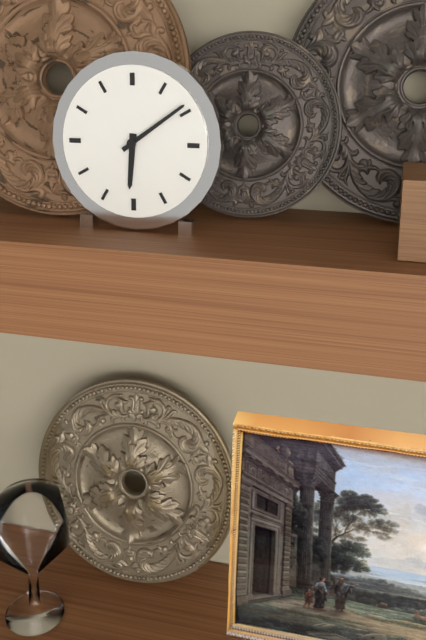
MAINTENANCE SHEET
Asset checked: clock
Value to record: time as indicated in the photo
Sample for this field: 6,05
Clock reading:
6,09
